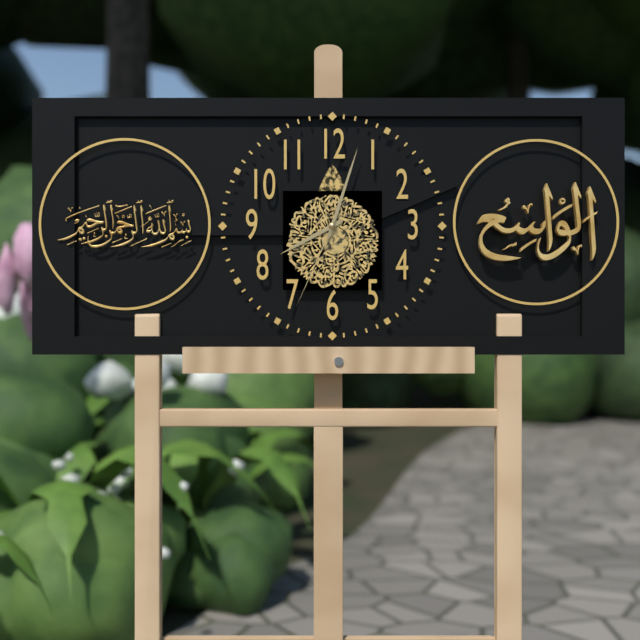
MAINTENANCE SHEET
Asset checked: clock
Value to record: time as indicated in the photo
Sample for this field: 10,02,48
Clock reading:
8,03,34
